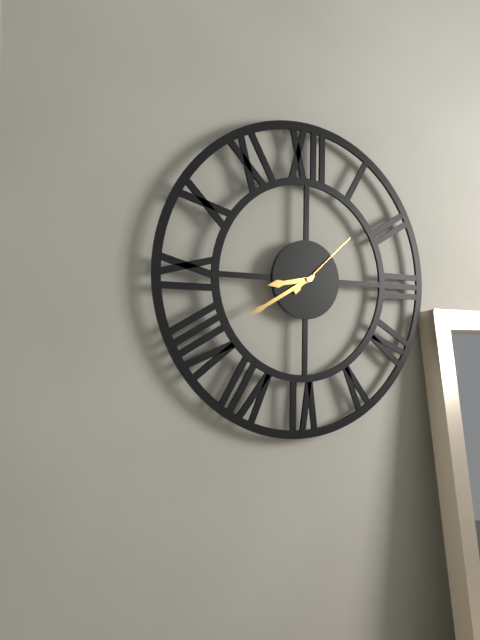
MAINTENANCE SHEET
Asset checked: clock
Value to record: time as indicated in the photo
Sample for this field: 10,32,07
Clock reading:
8,40,08
